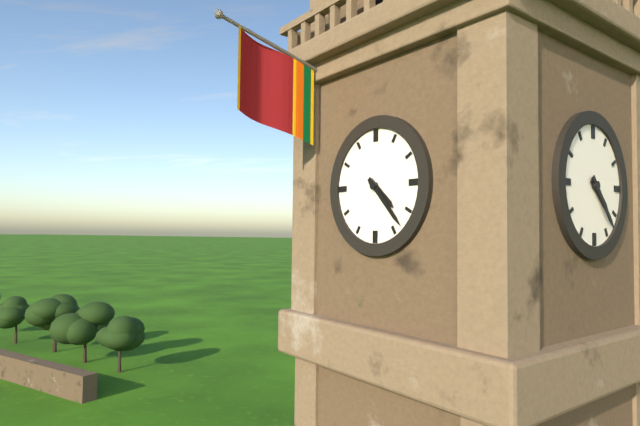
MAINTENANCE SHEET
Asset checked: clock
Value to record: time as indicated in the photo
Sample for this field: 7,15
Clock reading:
4,23
